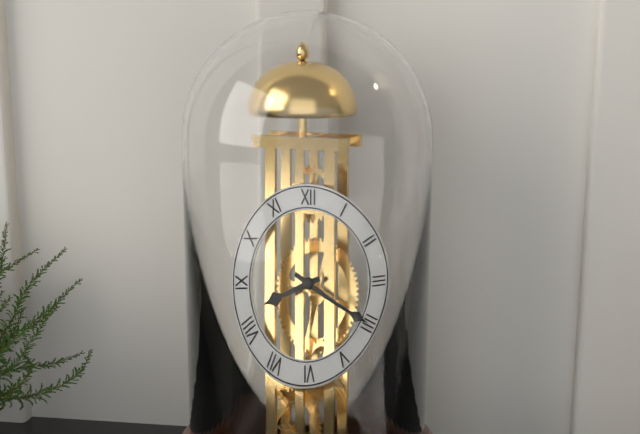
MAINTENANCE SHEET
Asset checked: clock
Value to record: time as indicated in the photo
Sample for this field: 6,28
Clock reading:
8,20
